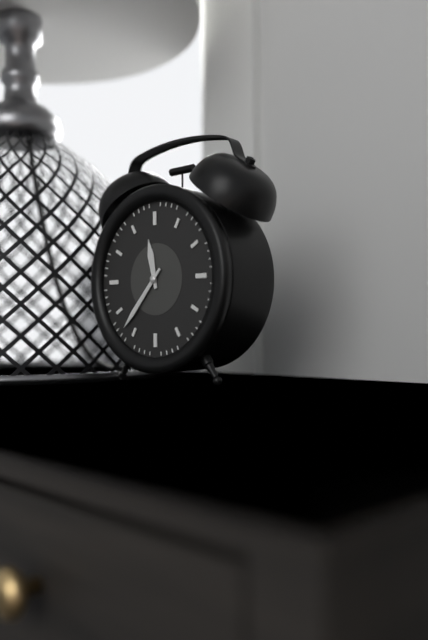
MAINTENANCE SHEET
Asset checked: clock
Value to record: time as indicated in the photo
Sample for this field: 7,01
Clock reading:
11,37
